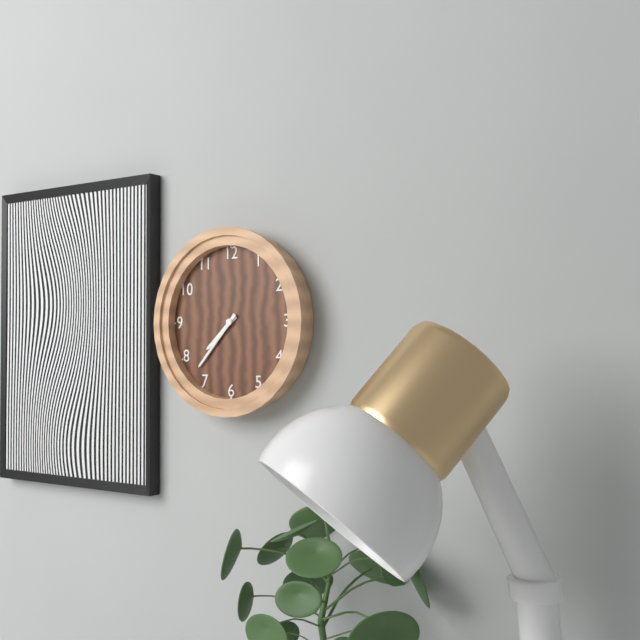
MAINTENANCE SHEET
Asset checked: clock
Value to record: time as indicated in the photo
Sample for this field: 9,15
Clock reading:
7,37
